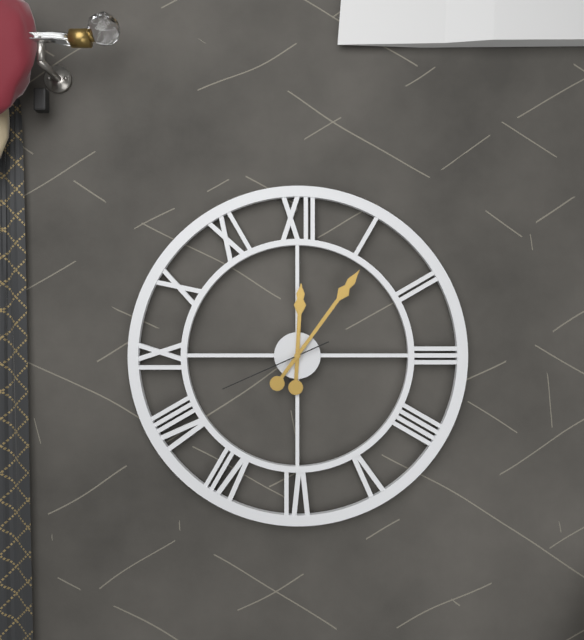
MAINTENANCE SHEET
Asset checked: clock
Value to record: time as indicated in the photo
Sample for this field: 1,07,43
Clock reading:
12,06,41
